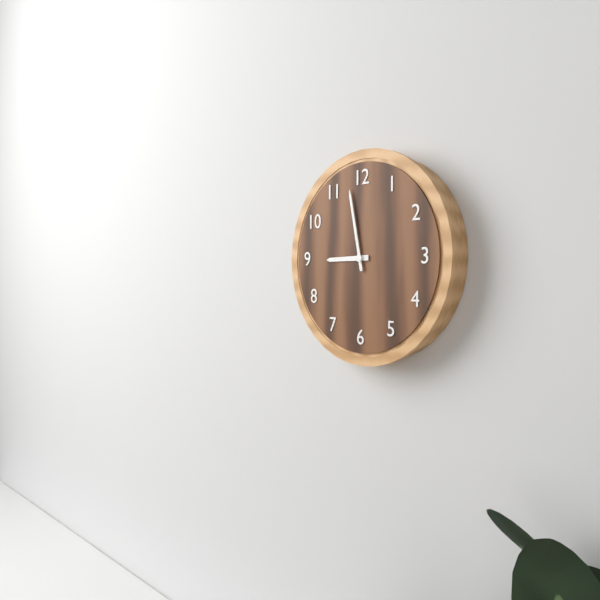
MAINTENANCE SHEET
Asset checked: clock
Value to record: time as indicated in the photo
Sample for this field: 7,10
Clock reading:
8,58
